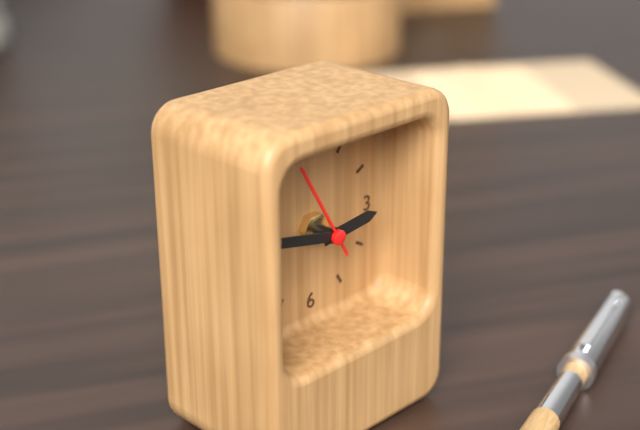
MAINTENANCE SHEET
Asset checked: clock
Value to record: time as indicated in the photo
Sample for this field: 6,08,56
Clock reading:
2,47,55
